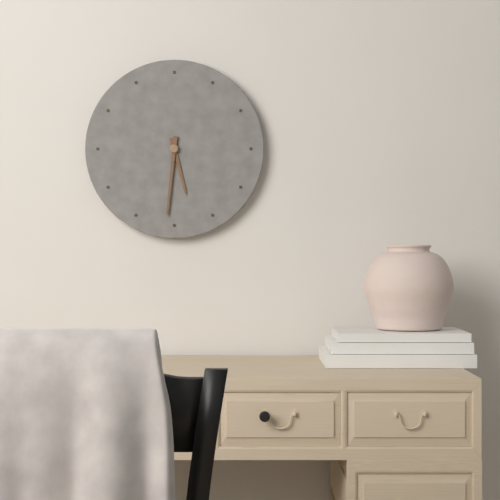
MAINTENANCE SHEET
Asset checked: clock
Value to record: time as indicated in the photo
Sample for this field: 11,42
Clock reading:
5,31
